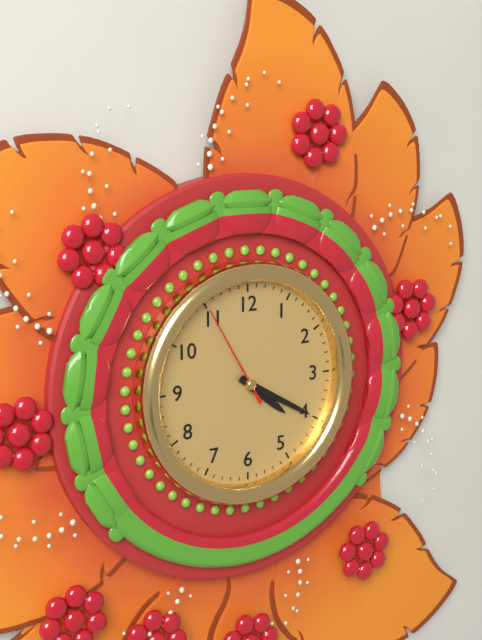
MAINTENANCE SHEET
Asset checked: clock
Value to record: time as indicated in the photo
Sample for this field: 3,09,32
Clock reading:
4,20,55
